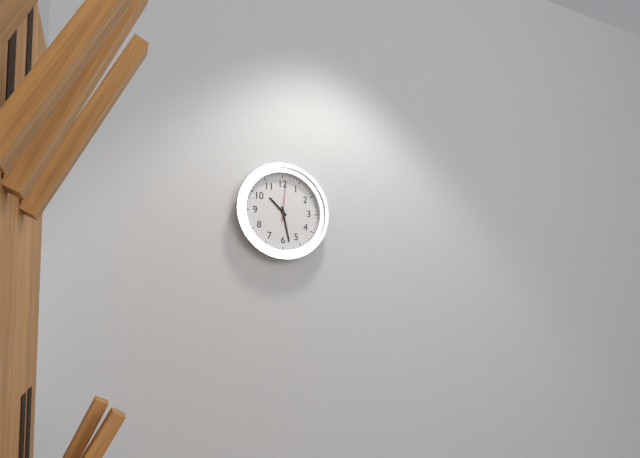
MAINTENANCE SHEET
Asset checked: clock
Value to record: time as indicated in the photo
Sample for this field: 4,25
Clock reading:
10,28
